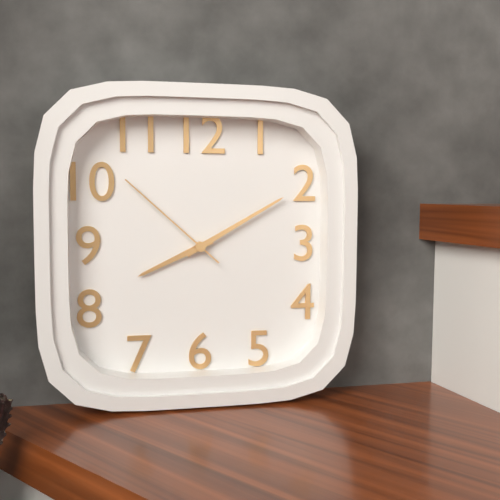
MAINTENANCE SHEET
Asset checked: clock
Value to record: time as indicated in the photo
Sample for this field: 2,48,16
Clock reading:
8,10,52
